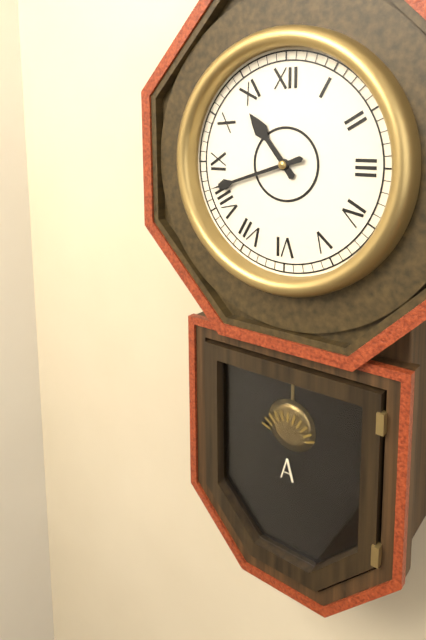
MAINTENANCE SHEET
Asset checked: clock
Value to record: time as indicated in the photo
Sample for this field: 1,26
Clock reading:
10,42
